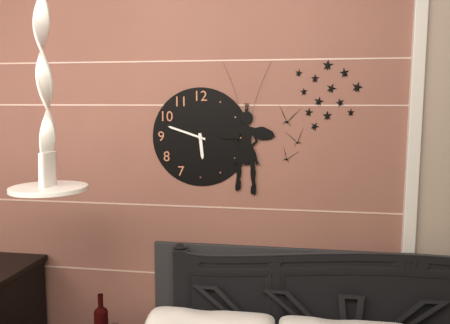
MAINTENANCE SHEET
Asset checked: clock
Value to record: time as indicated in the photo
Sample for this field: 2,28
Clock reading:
5,48
